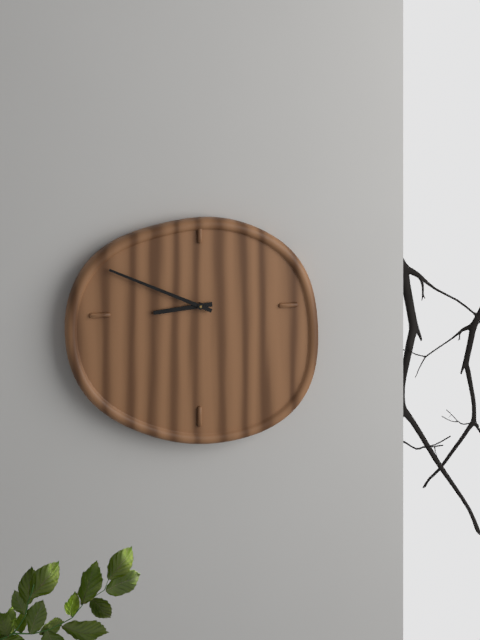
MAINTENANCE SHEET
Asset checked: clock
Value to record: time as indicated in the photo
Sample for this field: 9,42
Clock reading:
8,49
